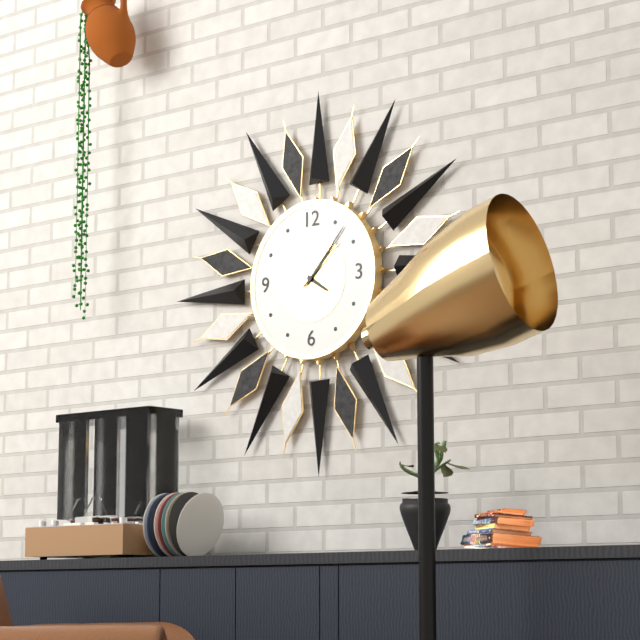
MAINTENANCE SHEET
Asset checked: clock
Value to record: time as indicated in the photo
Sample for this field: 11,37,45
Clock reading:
4,07,08
